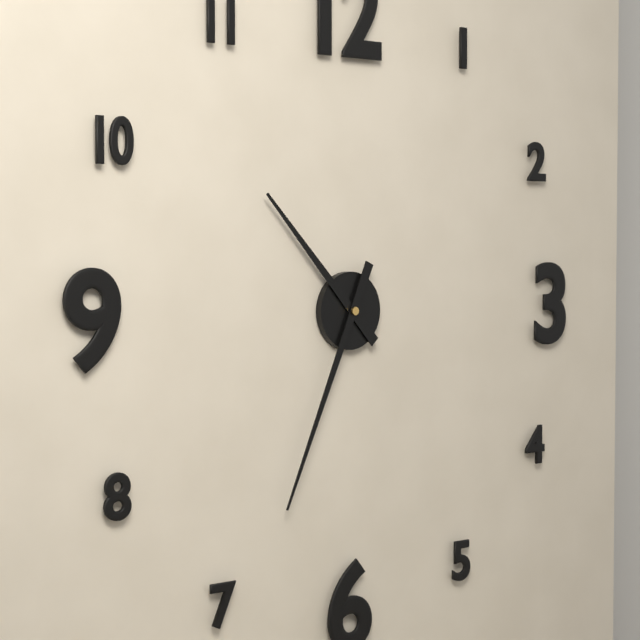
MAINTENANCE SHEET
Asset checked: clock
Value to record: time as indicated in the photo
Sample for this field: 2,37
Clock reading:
10,34
